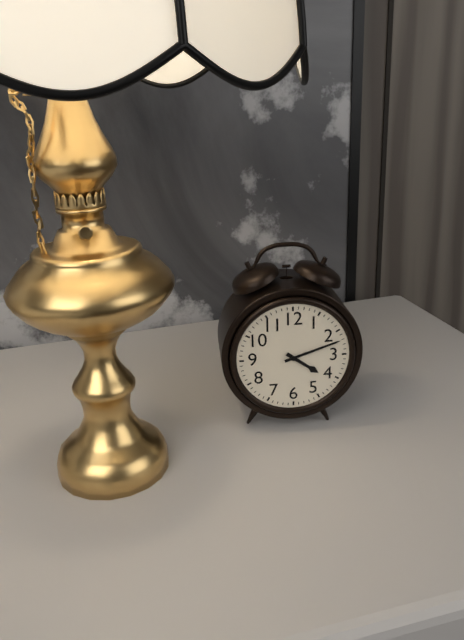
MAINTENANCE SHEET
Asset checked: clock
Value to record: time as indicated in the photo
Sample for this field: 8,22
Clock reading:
4,12
